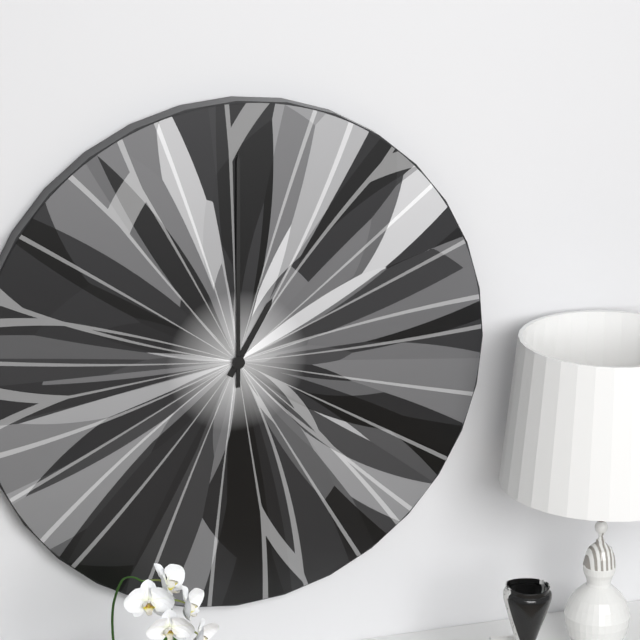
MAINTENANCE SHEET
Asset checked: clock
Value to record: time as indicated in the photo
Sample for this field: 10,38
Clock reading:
1,00
